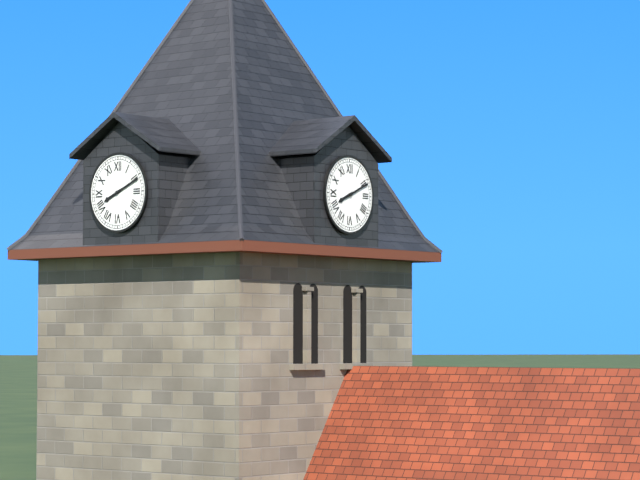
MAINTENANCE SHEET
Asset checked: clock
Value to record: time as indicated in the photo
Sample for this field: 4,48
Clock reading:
8,11
